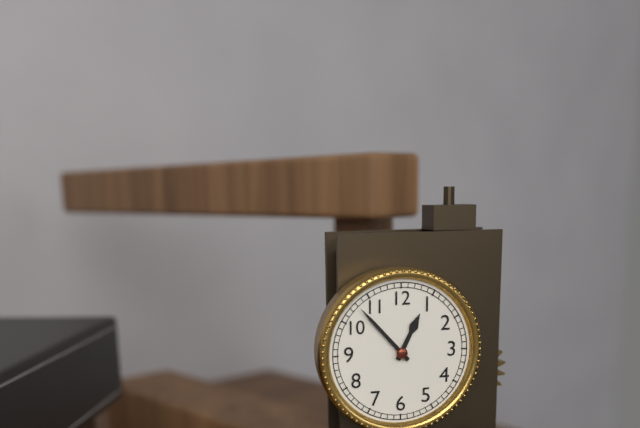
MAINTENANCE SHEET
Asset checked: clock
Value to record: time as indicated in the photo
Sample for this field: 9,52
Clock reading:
12,53
